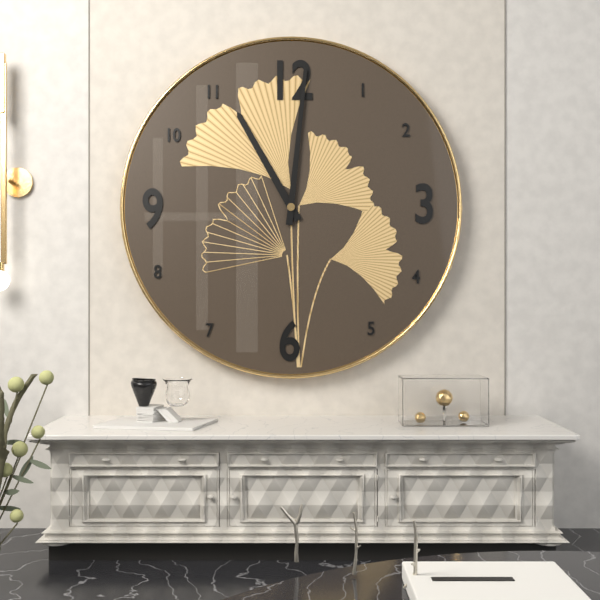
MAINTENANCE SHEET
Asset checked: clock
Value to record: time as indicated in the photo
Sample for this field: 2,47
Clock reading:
11,01
